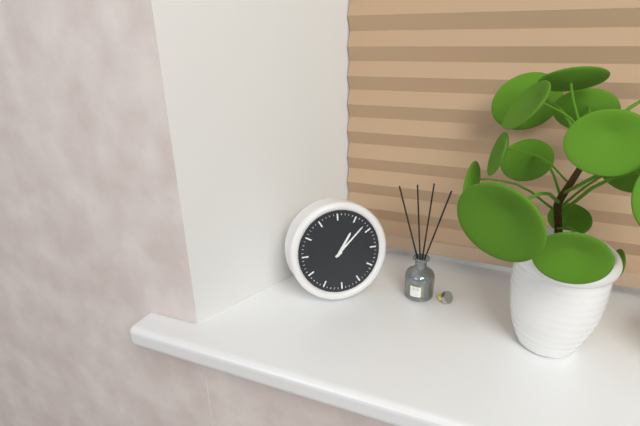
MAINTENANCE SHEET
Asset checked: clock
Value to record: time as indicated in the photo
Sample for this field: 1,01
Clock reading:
1,08
